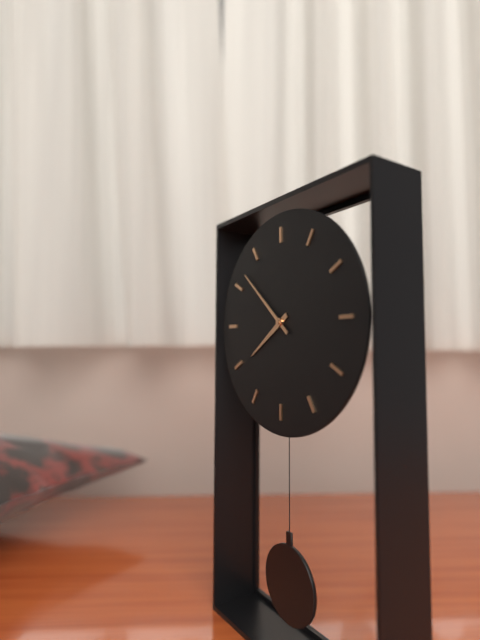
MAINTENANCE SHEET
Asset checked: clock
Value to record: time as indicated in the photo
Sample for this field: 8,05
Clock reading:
7,52
